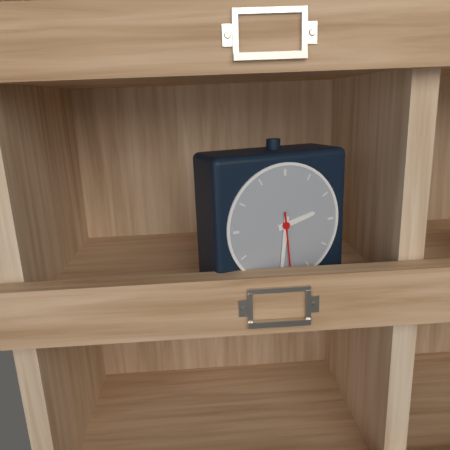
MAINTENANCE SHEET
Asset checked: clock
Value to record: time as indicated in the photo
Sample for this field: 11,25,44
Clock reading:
2,31,29
